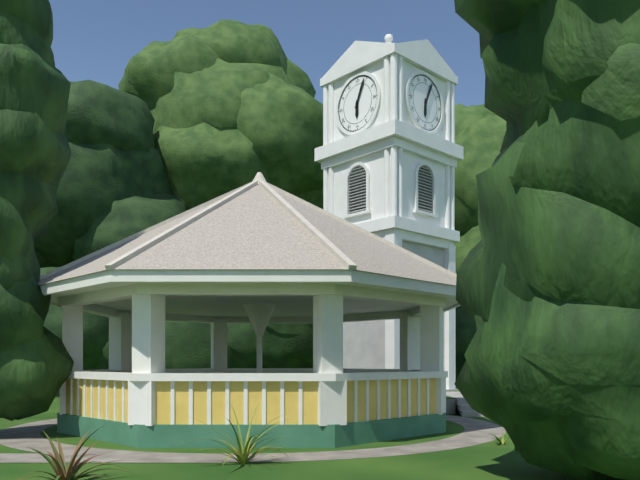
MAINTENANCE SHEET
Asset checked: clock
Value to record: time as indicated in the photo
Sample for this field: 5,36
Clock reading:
6,04
